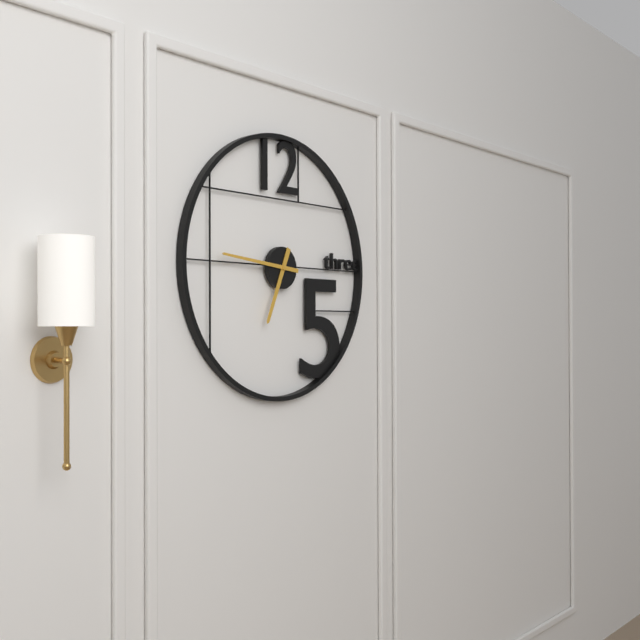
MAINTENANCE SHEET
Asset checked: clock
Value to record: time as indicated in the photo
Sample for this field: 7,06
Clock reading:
6,46
